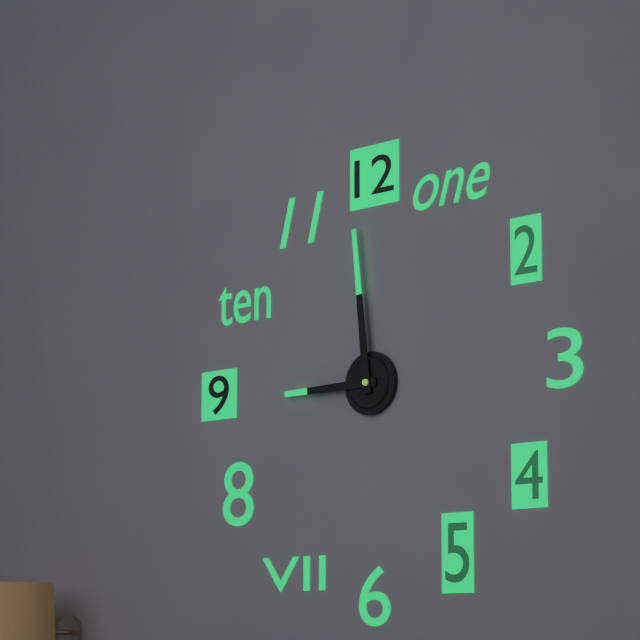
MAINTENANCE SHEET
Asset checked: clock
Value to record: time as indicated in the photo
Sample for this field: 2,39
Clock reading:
8,59
